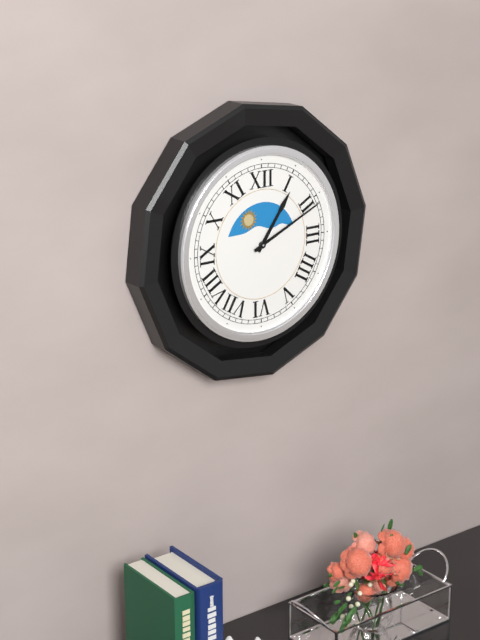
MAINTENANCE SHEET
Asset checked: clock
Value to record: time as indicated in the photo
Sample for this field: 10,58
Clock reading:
1,11
